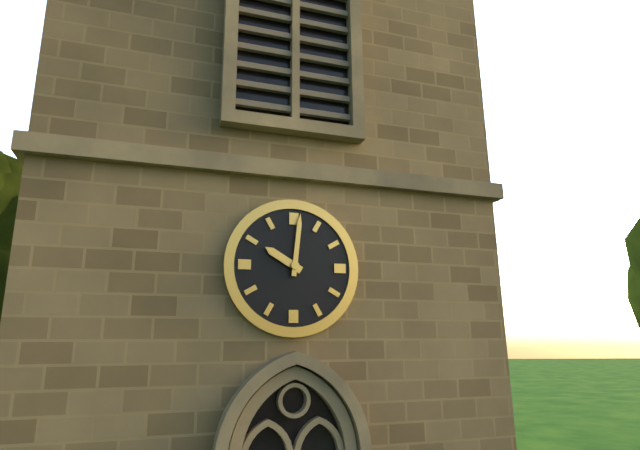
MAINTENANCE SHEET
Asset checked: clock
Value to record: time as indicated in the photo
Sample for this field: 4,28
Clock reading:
10,01
